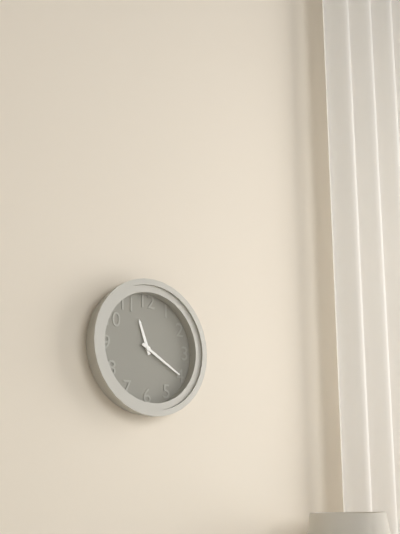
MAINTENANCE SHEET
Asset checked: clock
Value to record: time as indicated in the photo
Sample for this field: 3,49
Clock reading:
11,20
